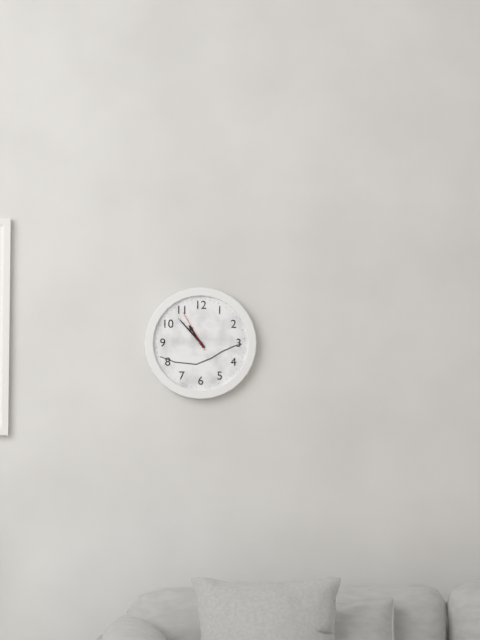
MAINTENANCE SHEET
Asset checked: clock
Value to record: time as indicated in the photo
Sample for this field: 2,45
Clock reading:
10,53
